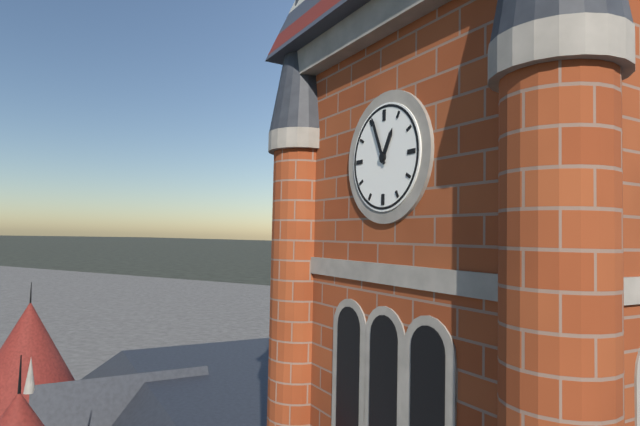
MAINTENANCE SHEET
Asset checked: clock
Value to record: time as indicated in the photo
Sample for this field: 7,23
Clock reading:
12,56
